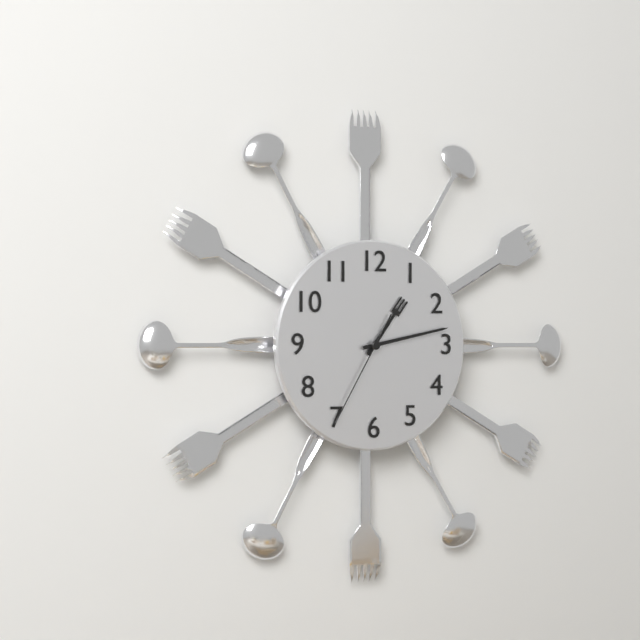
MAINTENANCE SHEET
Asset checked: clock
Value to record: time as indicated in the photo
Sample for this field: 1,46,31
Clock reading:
1,13,35
